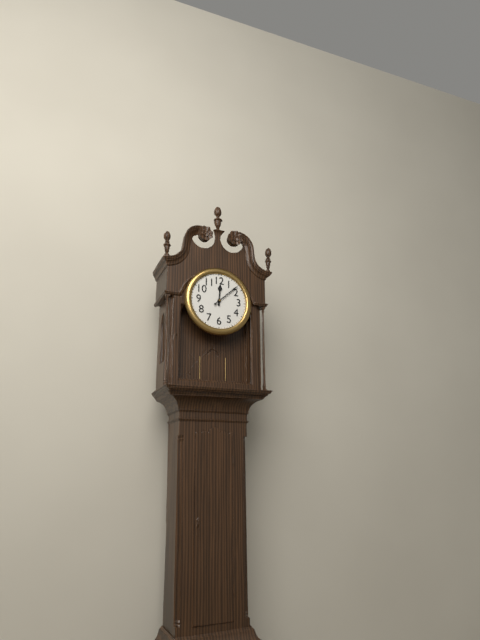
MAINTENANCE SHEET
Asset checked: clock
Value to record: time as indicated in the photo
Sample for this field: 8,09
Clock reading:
12,08
